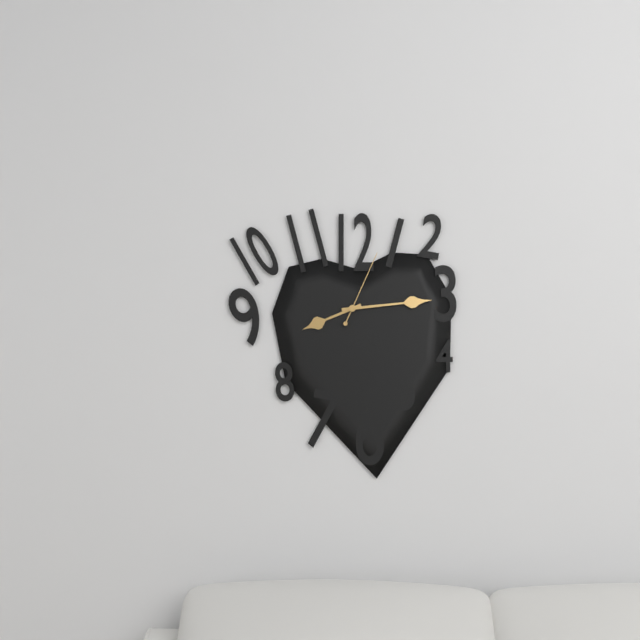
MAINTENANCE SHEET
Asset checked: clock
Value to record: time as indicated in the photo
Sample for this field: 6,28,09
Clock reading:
8,14,04
